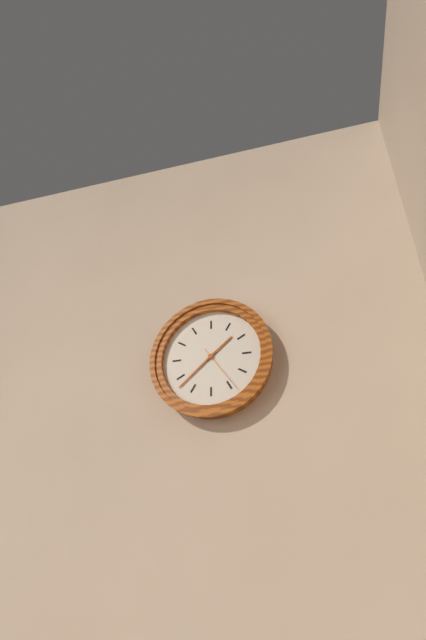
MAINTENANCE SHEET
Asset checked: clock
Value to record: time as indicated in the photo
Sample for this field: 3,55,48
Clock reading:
1,38,24
